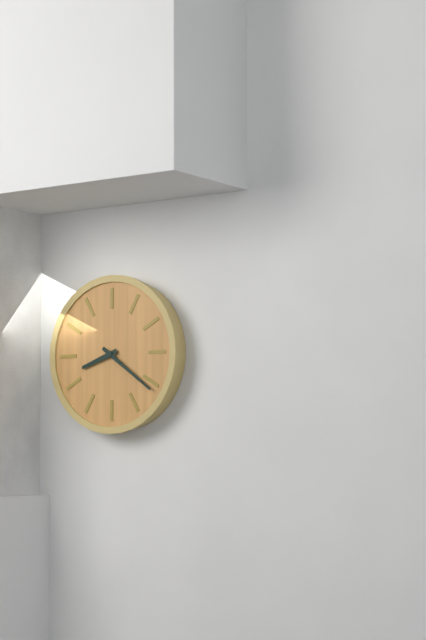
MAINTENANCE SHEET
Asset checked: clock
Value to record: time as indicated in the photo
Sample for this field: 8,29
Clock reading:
8,21
